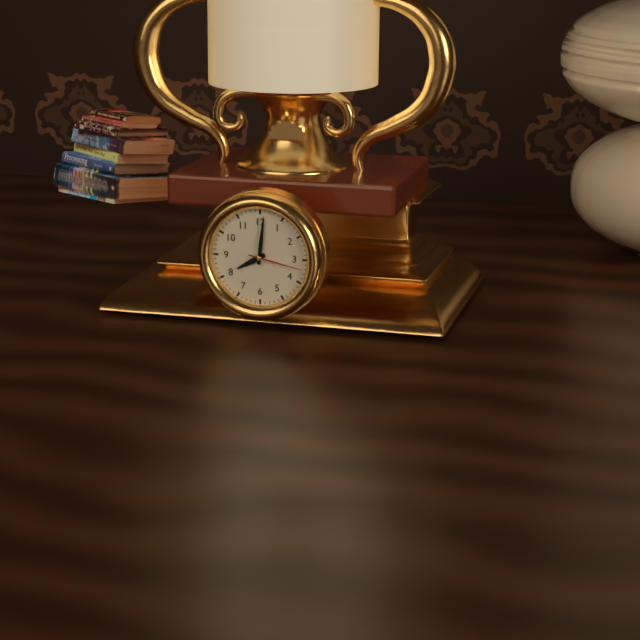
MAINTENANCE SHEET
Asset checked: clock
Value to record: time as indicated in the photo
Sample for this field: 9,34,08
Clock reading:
8,01,17
